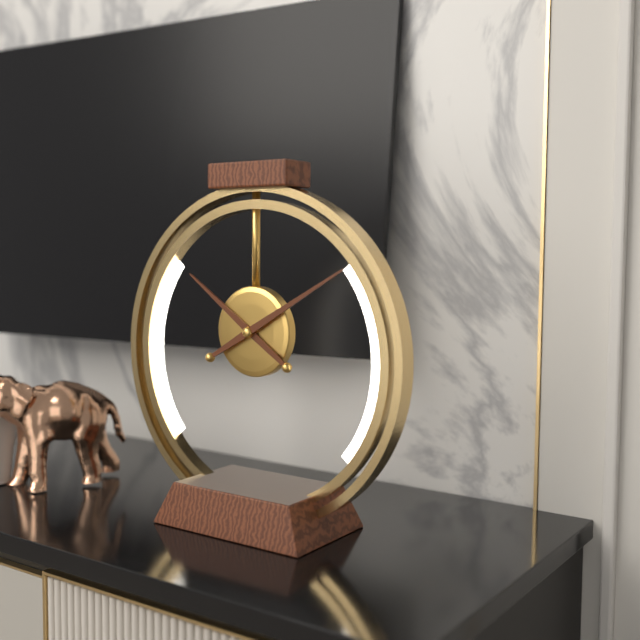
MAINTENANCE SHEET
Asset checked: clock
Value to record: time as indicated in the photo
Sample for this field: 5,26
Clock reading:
10,10
